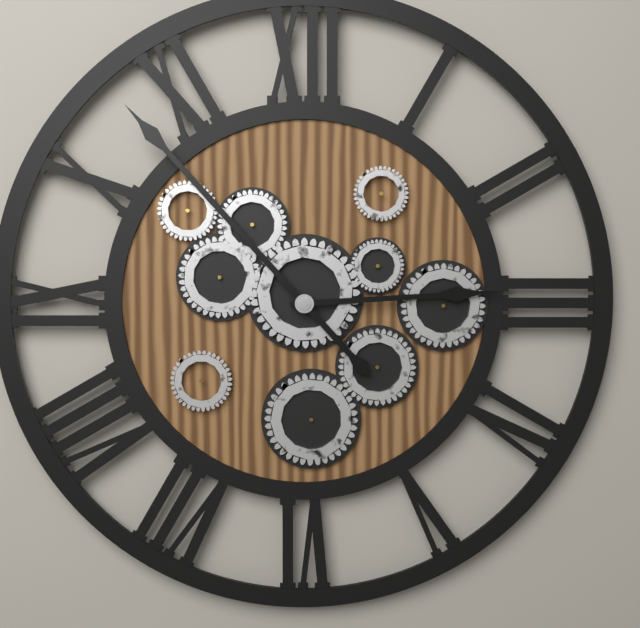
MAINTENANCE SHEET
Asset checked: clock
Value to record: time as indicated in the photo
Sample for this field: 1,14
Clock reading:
2,53
